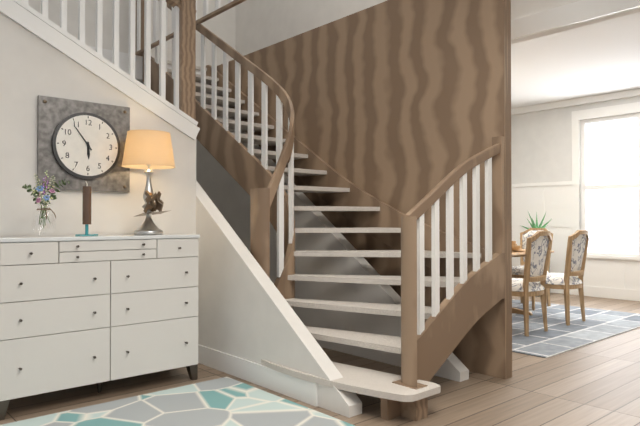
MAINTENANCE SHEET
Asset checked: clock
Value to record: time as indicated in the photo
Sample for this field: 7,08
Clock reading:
5,54
